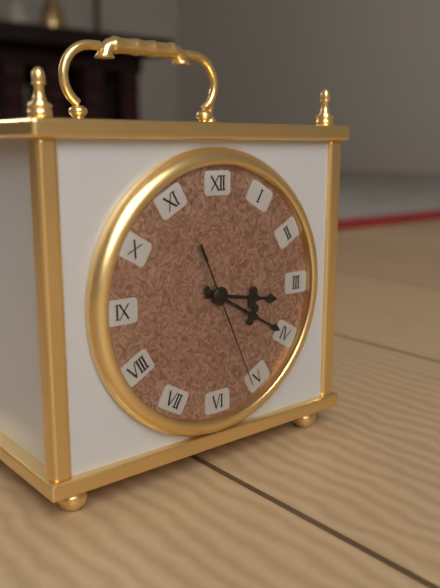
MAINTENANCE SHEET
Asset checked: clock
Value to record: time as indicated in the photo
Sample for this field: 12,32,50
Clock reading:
3,20,26
